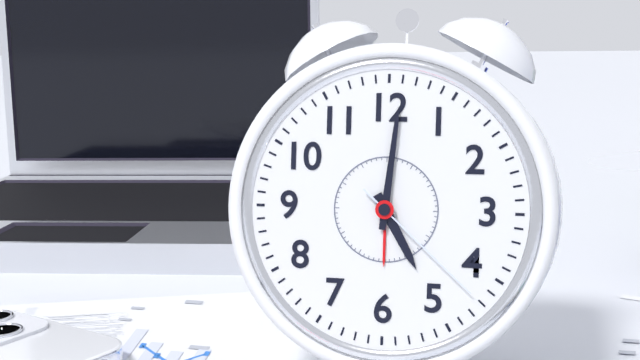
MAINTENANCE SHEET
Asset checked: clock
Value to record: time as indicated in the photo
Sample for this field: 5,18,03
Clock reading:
5,01,22
